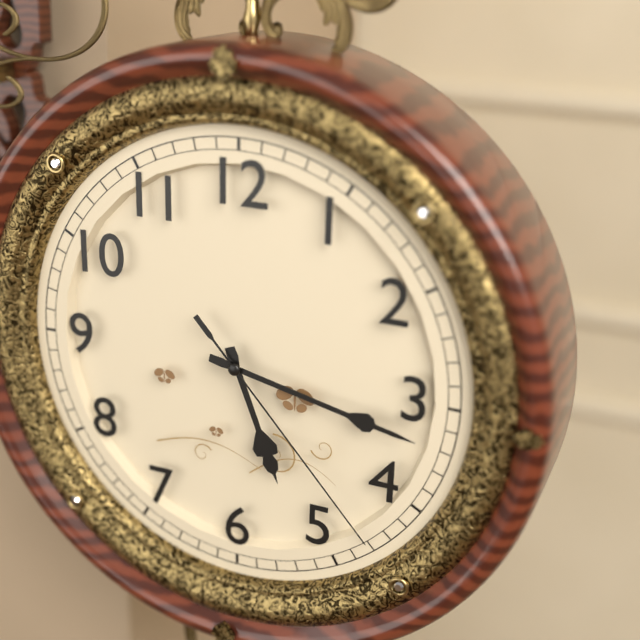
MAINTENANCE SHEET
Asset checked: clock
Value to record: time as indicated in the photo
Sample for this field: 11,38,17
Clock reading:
5,17,23
